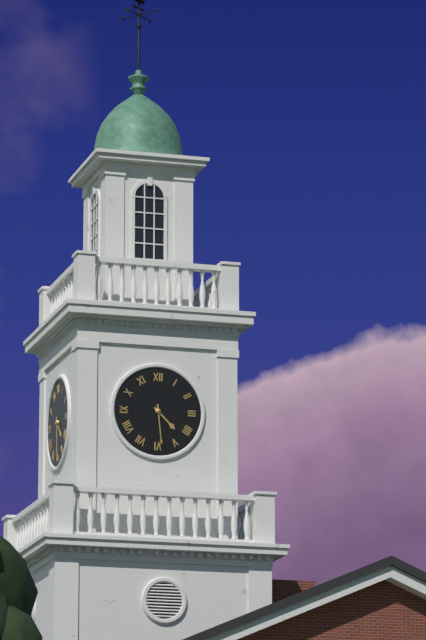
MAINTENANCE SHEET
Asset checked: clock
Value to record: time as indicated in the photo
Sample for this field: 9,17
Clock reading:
4,29
